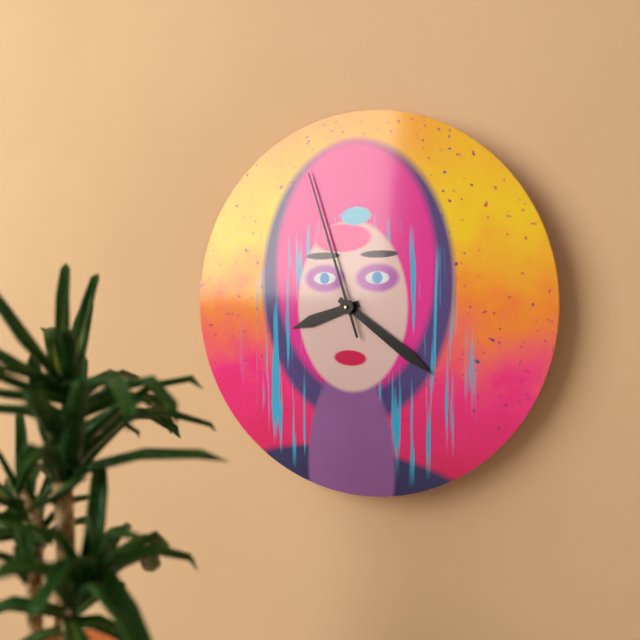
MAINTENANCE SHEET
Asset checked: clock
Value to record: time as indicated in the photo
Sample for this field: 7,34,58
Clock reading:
8,21,57
